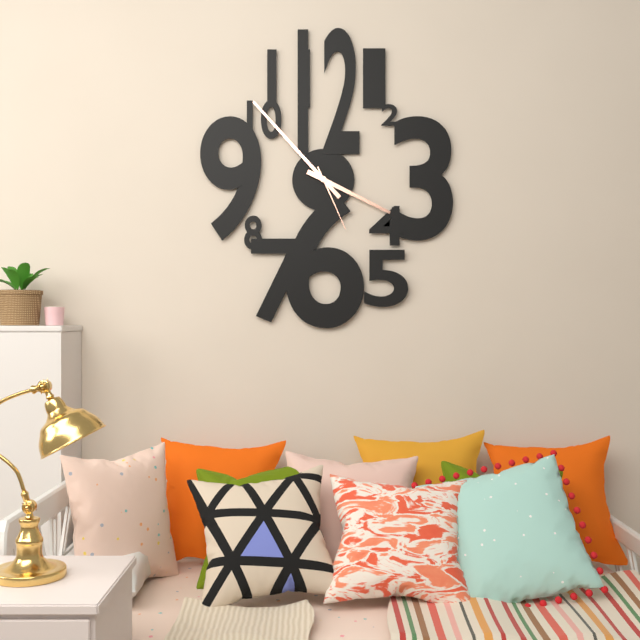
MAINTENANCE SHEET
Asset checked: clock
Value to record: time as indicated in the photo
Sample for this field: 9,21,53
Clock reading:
3,53,26
